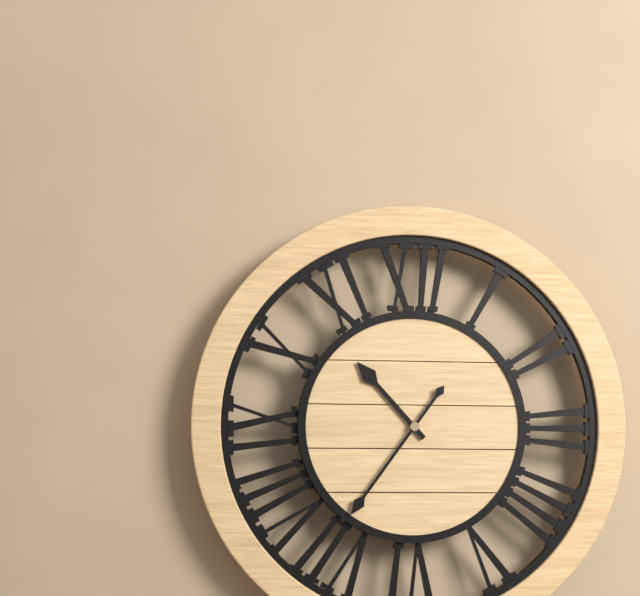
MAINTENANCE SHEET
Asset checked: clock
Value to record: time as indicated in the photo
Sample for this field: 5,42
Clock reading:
10,36
